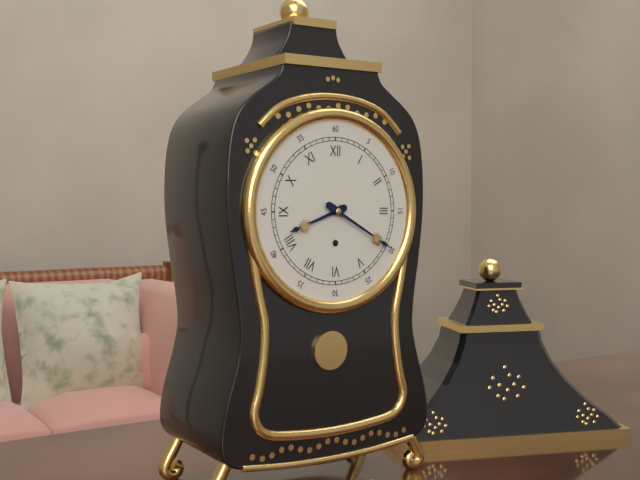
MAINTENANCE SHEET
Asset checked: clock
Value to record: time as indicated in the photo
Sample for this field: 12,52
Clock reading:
8,20
